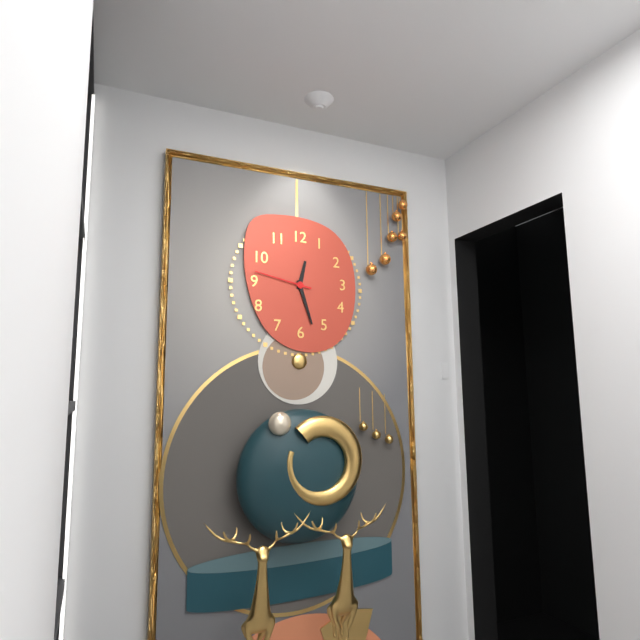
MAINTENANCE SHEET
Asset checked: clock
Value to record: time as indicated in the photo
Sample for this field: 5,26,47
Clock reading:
12,27,47
